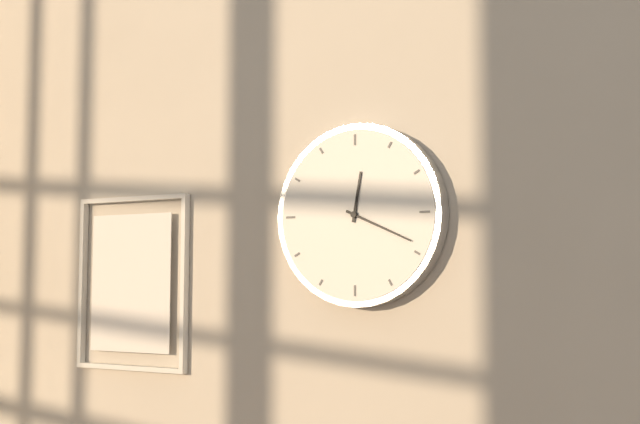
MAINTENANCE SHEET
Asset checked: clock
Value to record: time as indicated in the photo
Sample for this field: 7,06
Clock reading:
12,19
